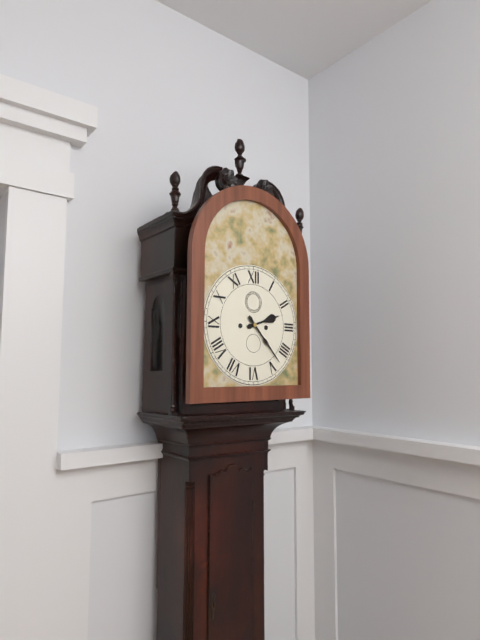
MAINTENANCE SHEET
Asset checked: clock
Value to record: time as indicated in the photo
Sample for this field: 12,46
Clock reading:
2,23
